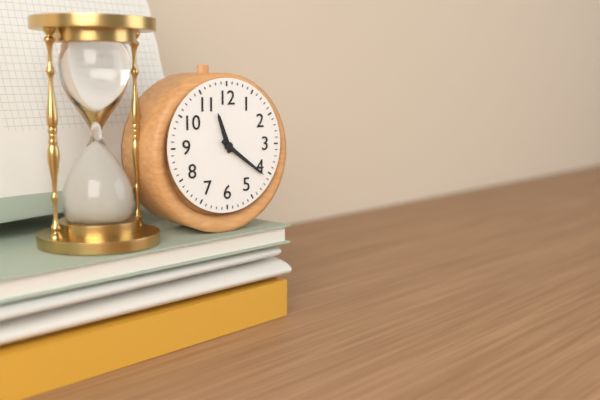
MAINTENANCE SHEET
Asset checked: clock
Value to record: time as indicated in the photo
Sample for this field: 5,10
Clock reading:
11,21
